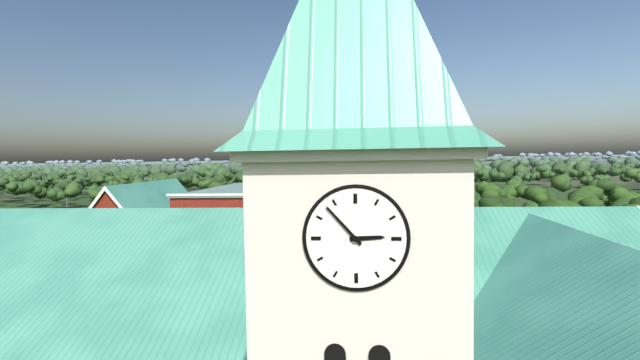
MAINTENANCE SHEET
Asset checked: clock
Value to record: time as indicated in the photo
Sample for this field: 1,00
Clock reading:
2,53
